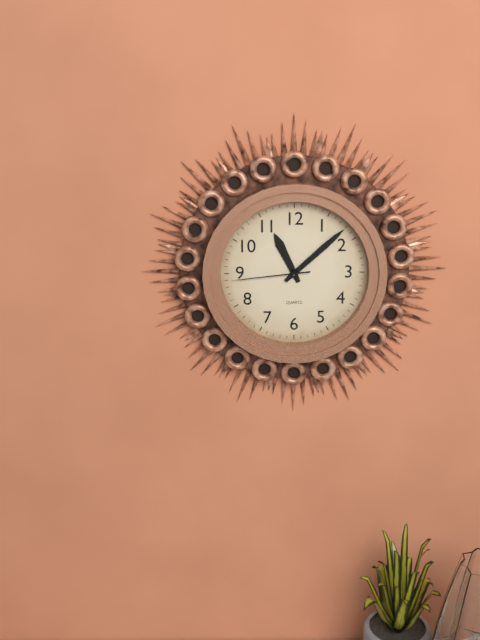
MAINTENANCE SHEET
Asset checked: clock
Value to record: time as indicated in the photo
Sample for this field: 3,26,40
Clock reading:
11,08,44
